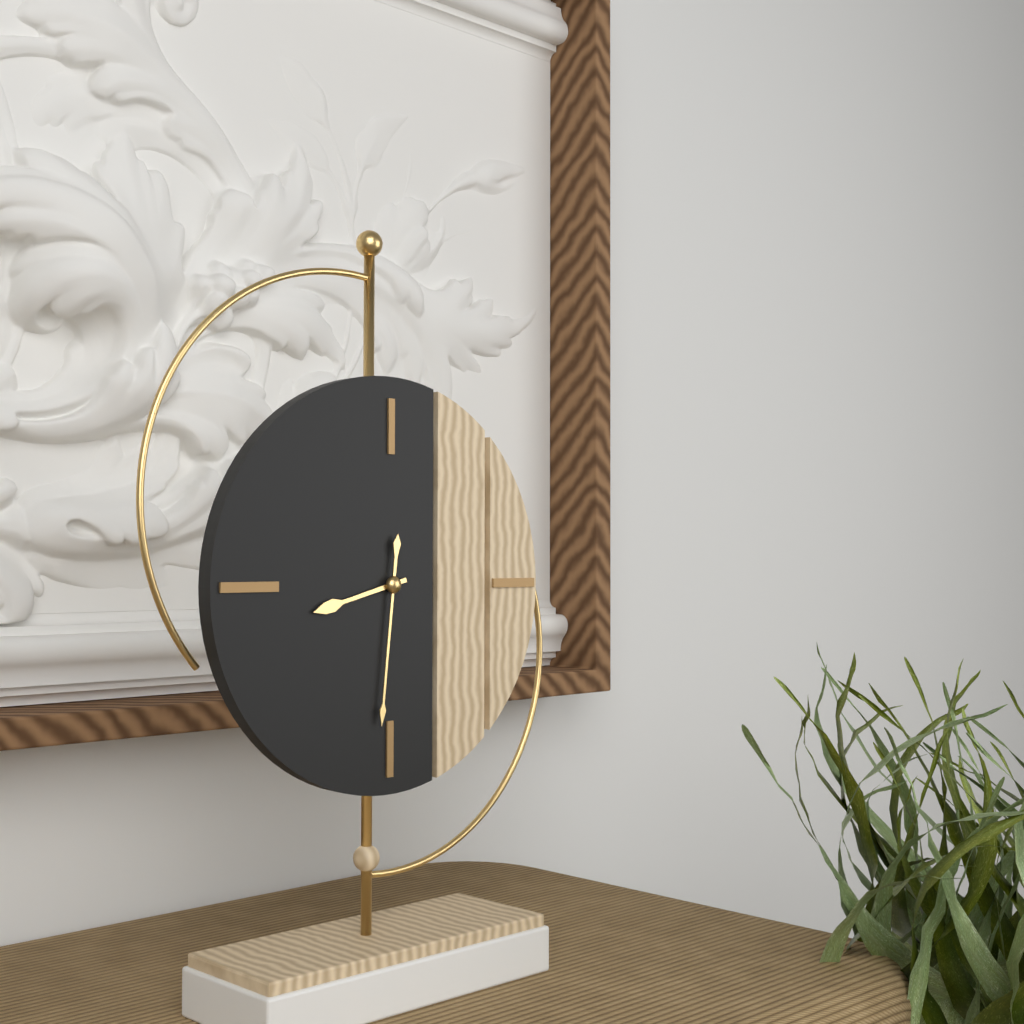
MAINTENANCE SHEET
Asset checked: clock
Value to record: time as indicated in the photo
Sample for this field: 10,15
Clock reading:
8,31
